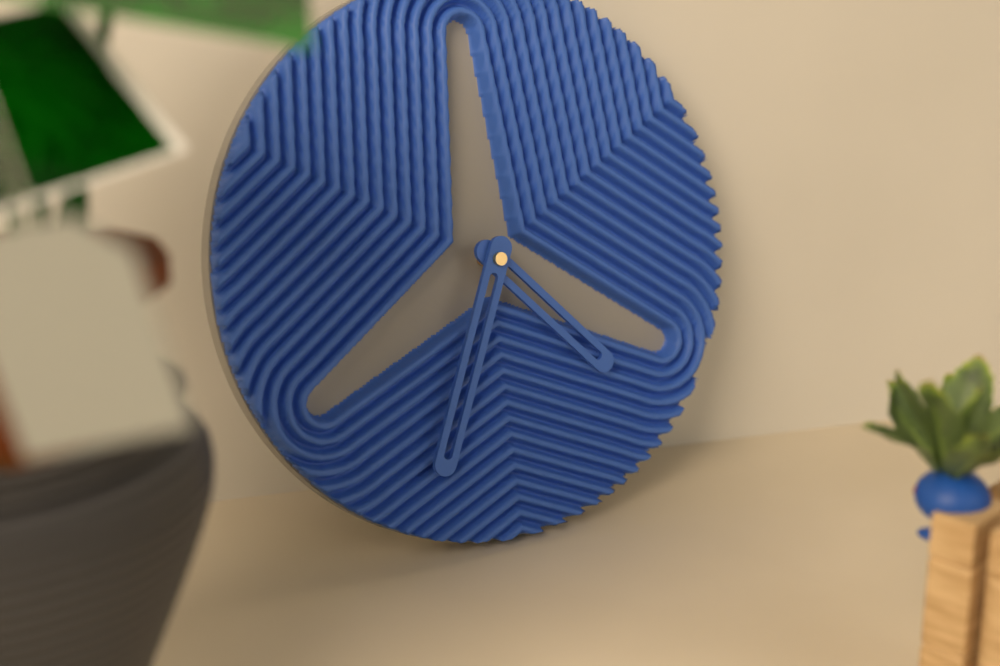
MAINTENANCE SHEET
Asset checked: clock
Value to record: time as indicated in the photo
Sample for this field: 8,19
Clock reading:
4,34
